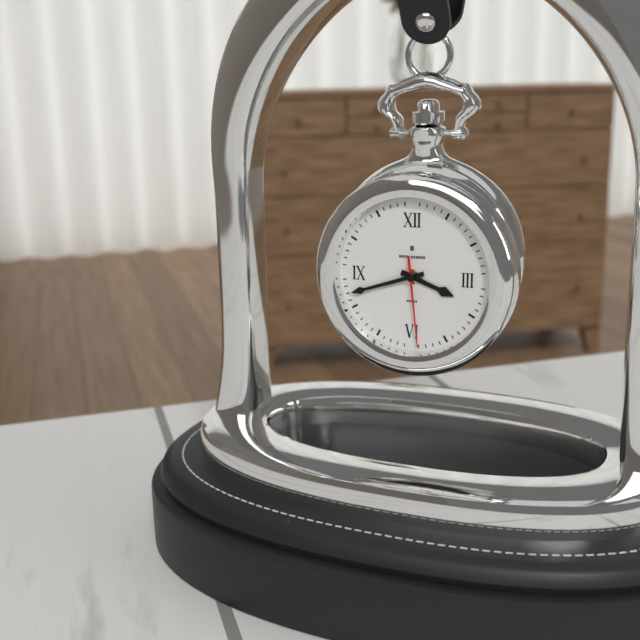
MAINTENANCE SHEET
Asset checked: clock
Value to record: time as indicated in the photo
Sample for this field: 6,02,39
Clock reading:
3,42,29
